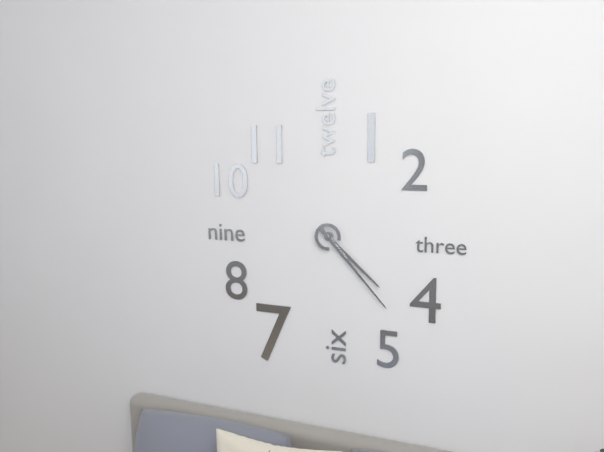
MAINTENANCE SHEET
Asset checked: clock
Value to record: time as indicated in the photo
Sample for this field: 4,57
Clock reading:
4,23
